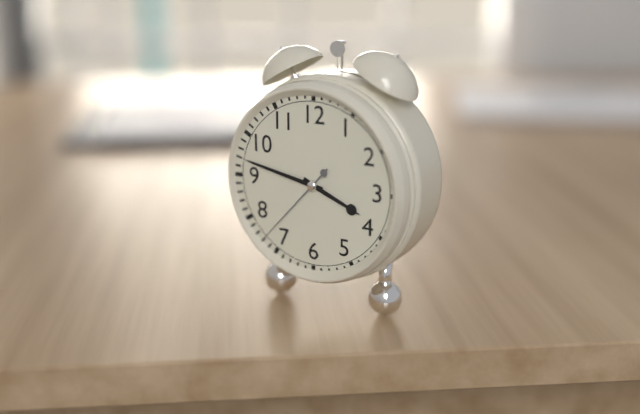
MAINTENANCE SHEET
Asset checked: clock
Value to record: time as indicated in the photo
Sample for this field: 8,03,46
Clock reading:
3,47,37
